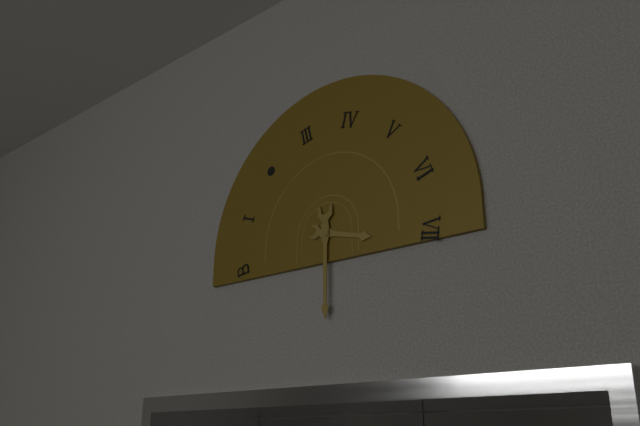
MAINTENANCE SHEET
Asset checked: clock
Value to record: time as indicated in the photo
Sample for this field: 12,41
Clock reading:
3,30
